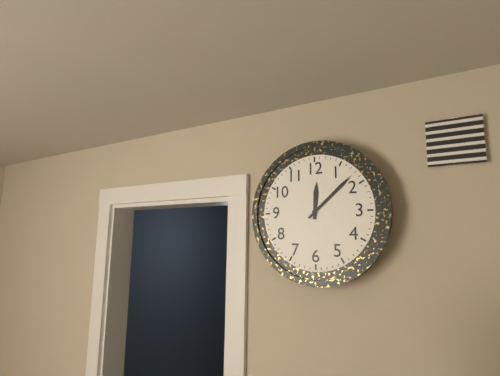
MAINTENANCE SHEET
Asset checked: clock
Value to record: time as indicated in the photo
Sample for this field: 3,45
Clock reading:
12,08
